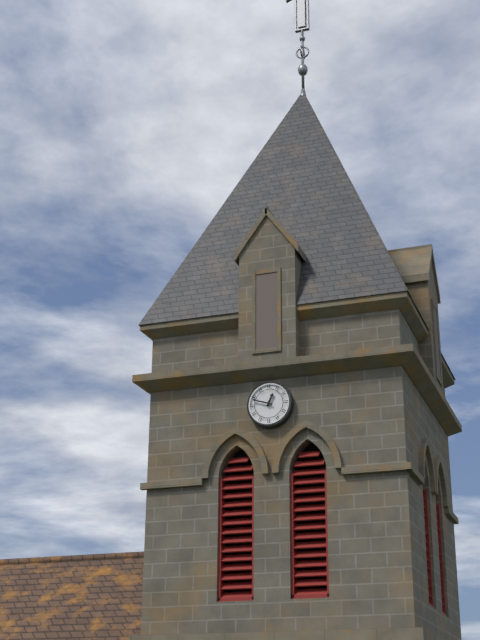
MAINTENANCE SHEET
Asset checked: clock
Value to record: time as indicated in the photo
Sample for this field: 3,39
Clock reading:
12,48
